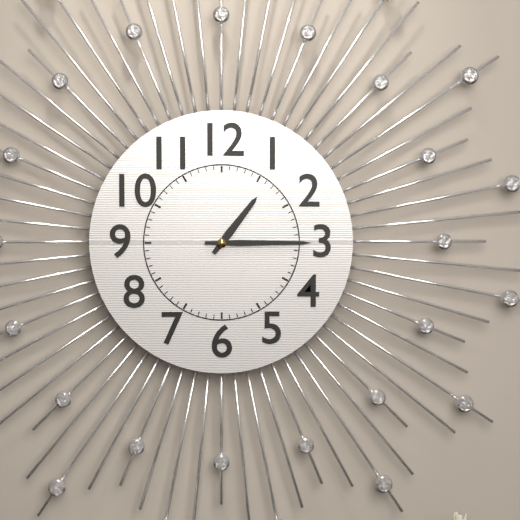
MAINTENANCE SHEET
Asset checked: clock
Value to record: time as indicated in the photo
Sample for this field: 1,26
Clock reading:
1,15
